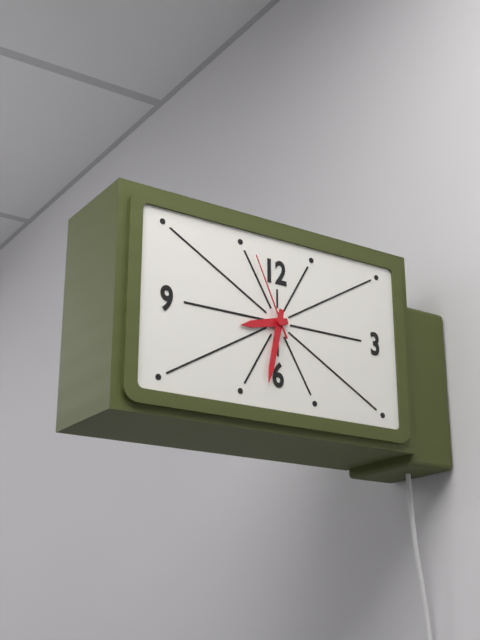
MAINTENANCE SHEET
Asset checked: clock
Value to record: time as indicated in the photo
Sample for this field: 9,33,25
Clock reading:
8,32,56
